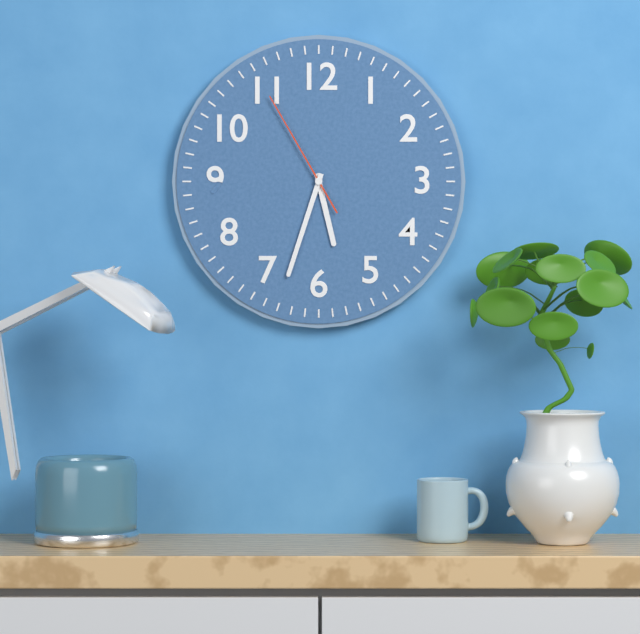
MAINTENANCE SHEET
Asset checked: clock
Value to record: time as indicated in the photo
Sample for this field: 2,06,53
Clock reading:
5,33,55
